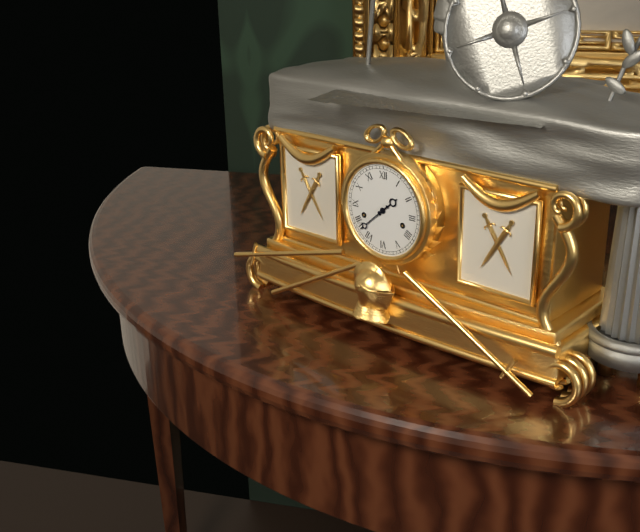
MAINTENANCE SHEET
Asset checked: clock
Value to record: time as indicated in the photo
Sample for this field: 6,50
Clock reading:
1,38
